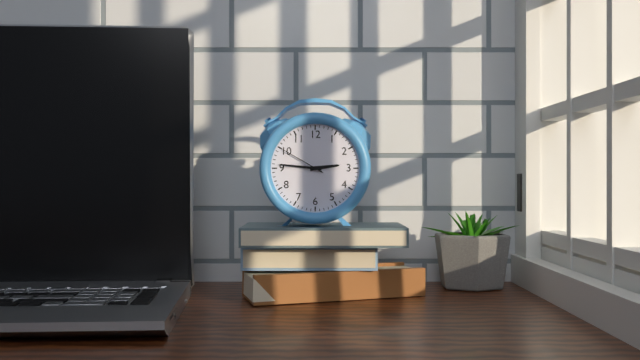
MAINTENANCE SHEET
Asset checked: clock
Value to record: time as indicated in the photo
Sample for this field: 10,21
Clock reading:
2,46
